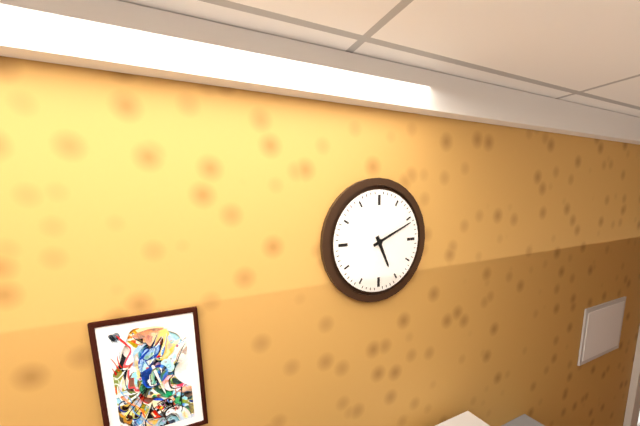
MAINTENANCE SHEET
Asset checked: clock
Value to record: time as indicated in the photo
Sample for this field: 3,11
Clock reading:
5,11
